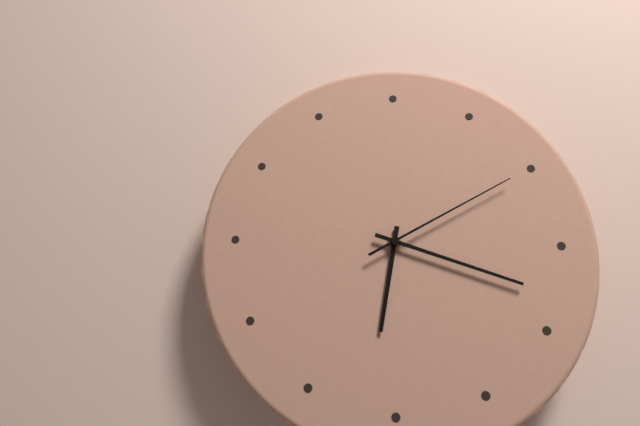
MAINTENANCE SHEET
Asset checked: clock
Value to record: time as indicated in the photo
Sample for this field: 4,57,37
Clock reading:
6,18,10
